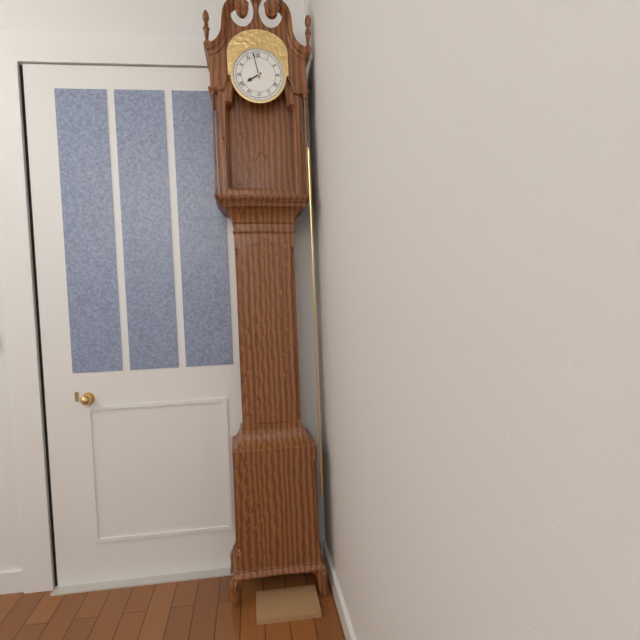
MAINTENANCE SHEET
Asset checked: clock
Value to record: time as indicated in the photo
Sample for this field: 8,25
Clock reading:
7,58
